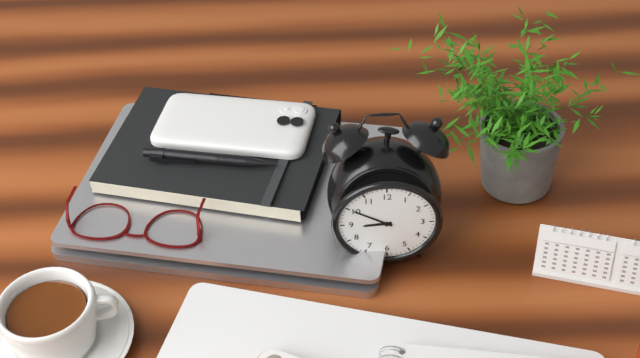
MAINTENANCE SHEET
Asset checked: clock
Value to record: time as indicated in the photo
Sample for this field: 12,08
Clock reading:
8,50
